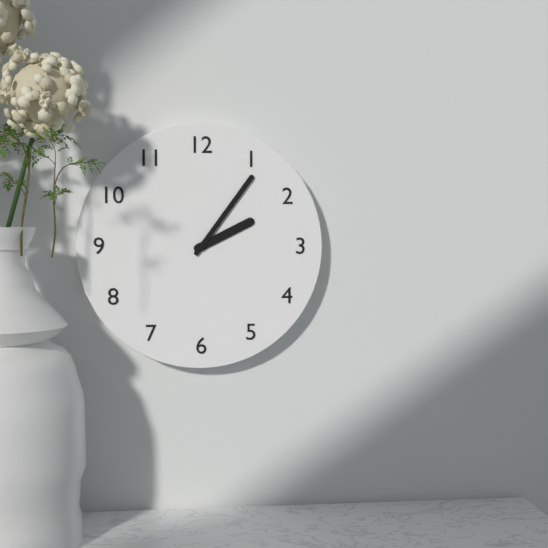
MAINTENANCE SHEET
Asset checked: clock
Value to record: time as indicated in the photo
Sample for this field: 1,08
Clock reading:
2,06
